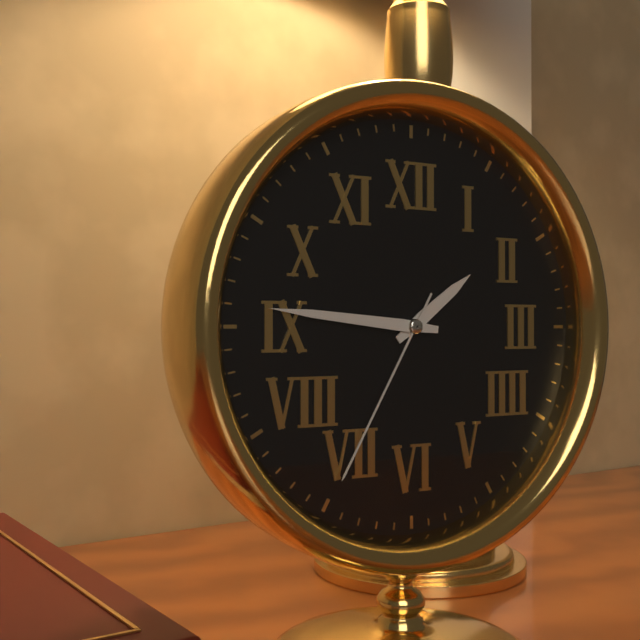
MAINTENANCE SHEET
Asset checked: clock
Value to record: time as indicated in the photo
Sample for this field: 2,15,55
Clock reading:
1,46,35
